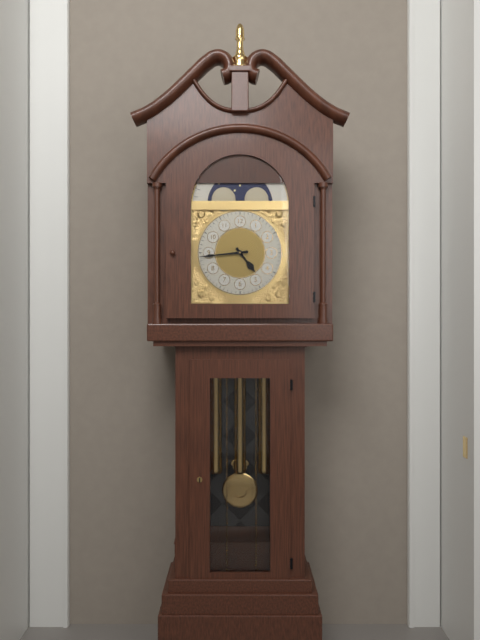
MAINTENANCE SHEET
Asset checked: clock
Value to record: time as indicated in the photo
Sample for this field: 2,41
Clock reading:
4,44
